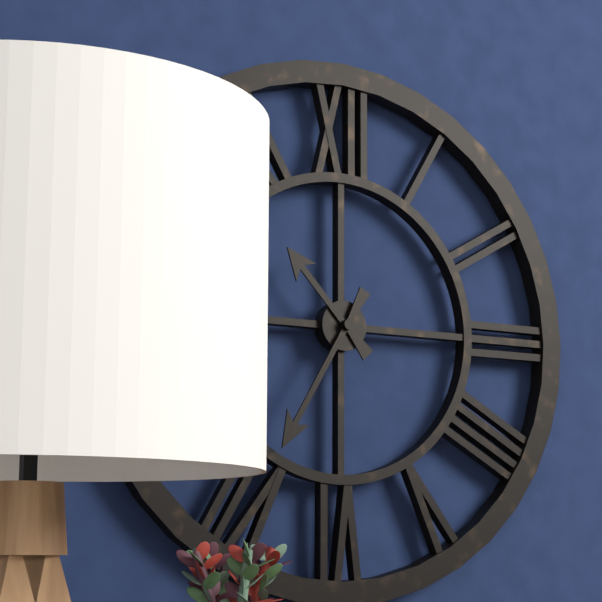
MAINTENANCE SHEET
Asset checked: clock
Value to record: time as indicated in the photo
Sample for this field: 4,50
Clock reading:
10,35
